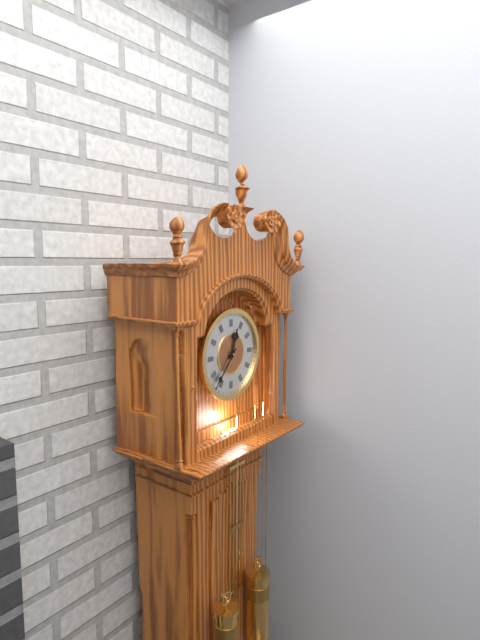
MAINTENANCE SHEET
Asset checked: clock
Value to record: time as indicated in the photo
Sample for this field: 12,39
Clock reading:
12,37
